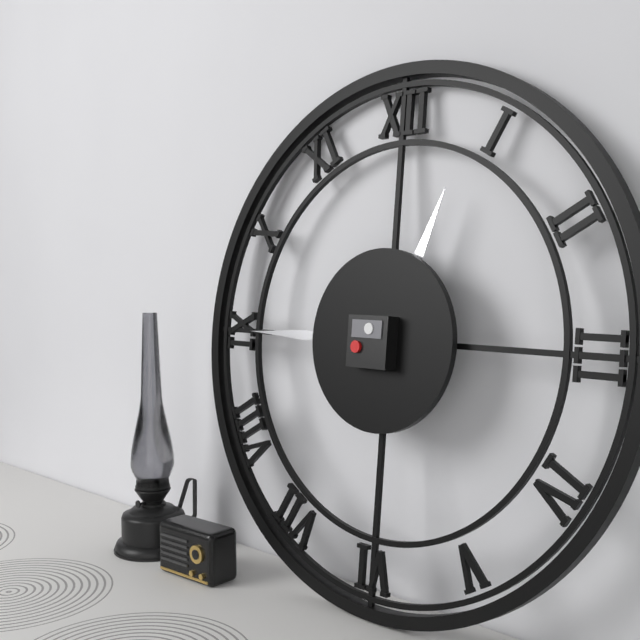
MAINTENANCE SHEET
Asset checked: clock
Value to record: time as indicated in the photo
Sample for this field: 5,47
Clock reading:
12,45
